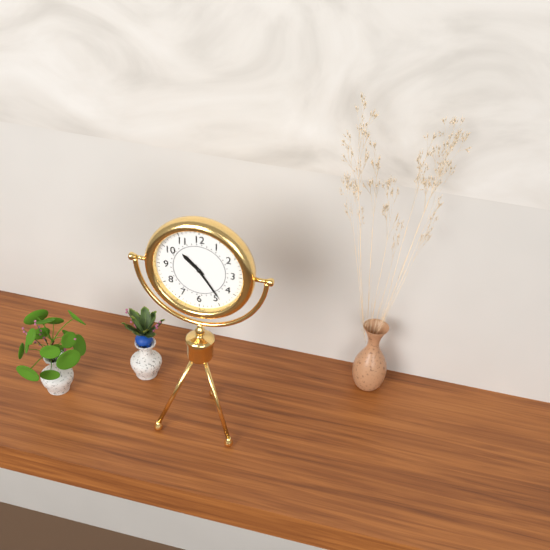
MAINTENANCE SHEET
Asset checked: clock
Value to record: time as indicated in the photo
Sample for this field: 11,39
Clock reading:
10,24
